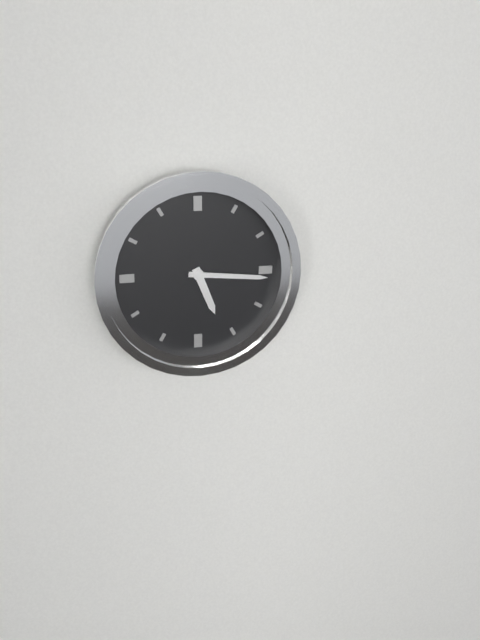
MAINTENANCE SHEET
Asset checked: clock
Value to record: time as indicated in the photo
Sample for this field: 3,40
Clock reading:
5,16
